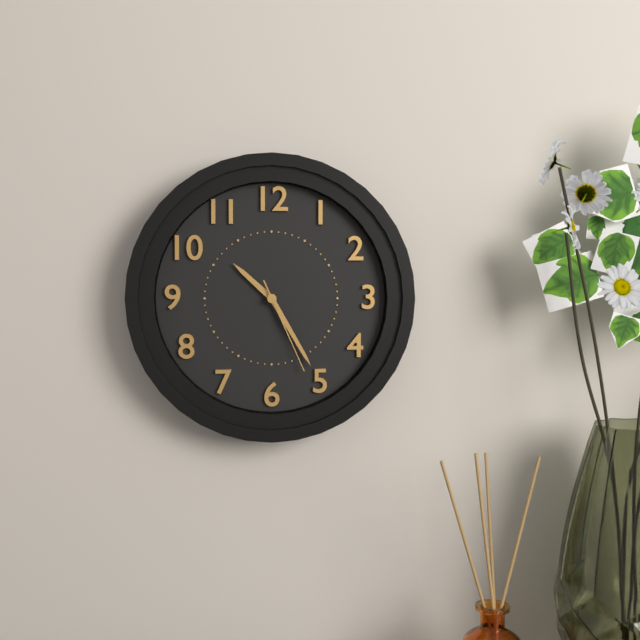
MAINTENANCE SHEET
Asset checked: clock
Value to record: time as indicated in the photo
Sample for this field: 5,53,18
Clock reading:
10,25,26
